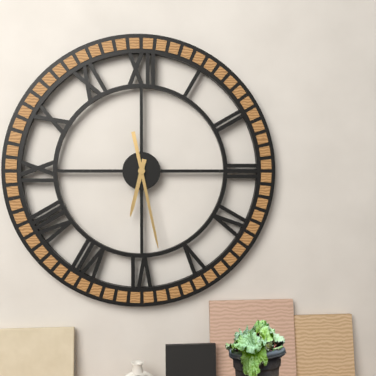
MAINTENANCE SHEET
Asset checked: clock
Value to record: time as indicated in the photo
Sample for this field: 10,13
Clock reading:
6,28
